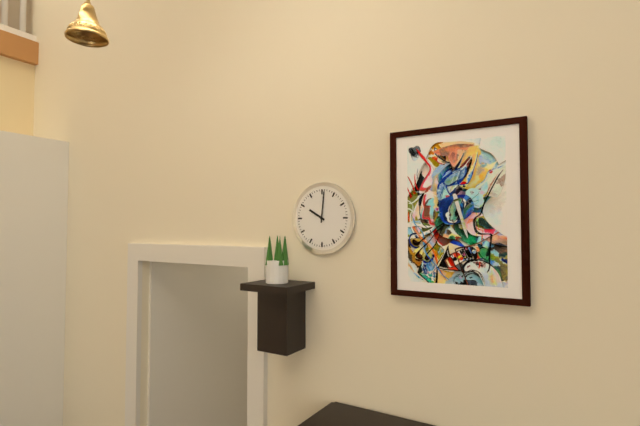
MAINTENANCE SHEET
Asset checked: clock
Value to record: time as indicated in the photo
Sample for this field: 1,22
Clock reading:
10,01
